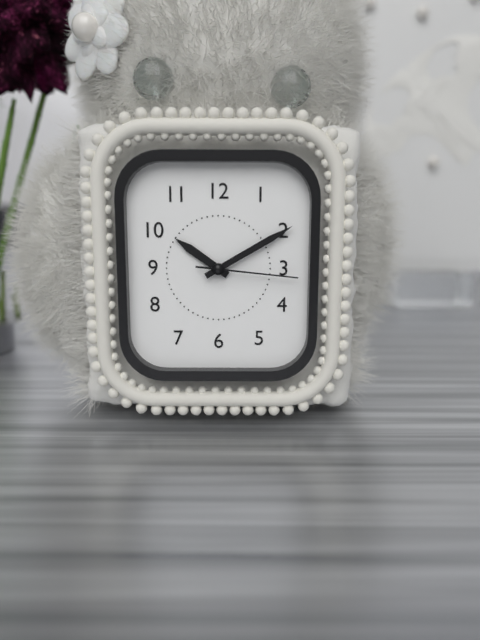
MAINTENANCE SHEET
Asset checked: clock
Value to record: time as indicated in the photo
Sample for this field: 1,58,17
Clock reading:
10,10,16
